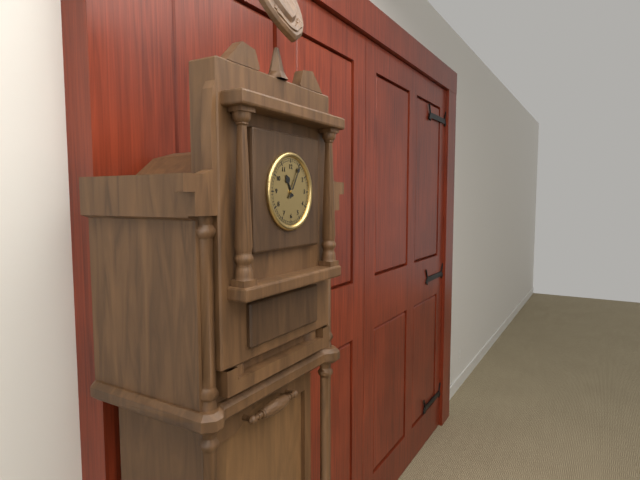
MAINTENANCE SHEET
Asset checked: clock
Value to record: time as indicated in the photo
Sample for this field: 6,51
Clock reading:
11,05
